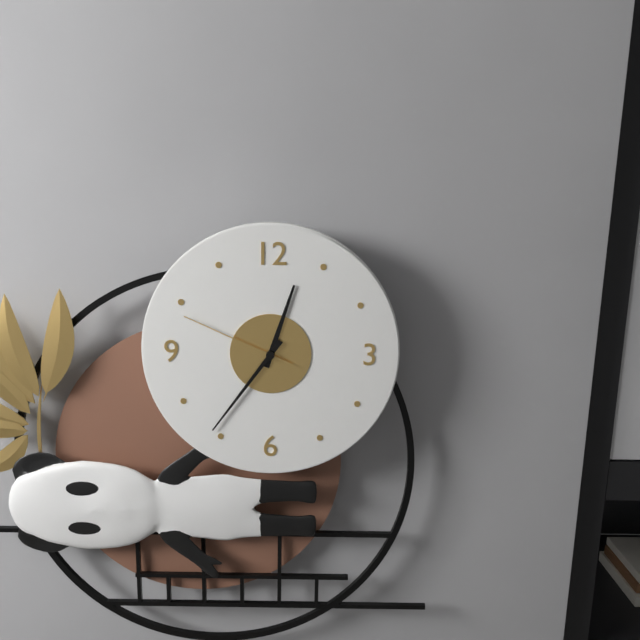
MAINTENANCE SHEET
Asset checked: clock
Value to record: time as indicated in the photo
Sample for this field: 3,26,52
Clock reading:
12,36,49
